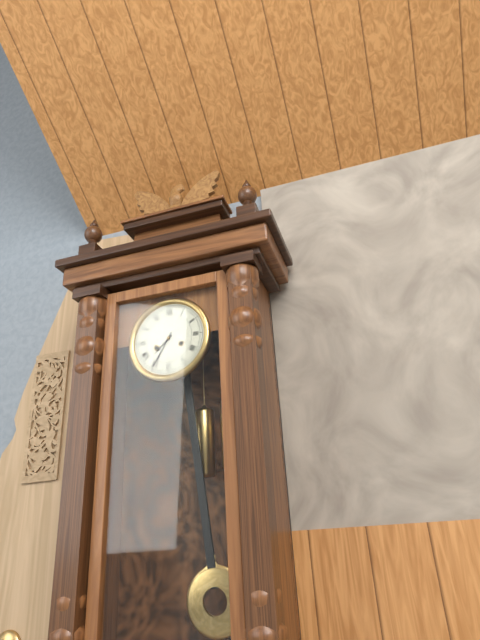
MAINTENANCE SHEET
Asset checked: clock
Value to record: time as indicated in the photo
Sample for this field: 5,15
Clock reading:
7,35
